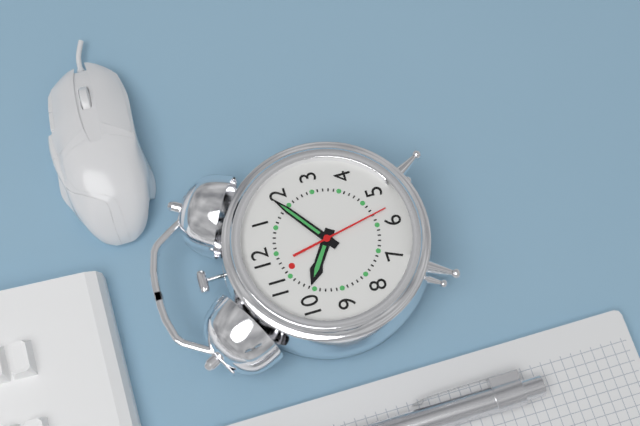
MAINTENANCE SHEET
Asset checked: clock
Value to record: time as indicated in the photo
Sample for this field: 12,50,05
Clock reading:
10,09,28
